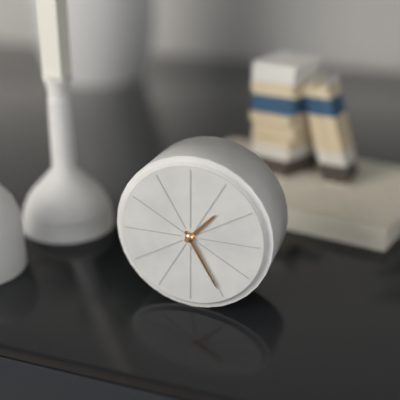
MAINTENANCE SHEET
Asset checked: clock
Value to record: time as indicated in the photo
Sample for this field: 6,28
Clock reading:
1,25
